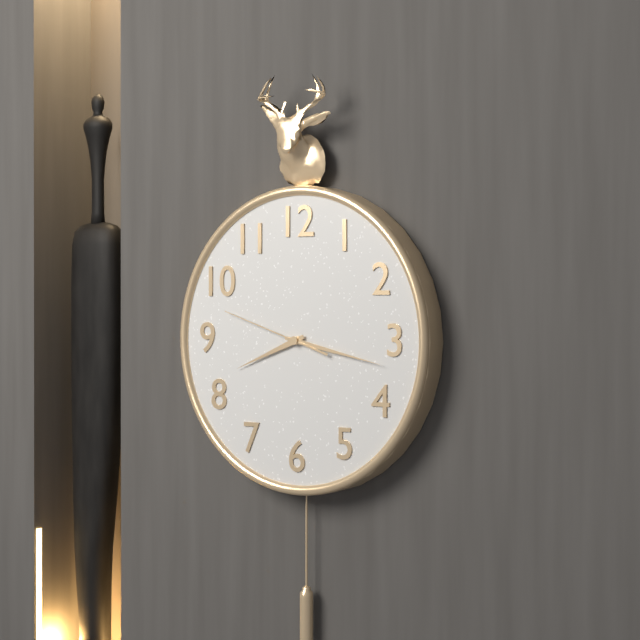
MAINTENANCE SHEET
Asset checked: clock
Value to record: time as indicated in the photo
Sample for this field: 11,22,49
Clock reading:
8,17,48
